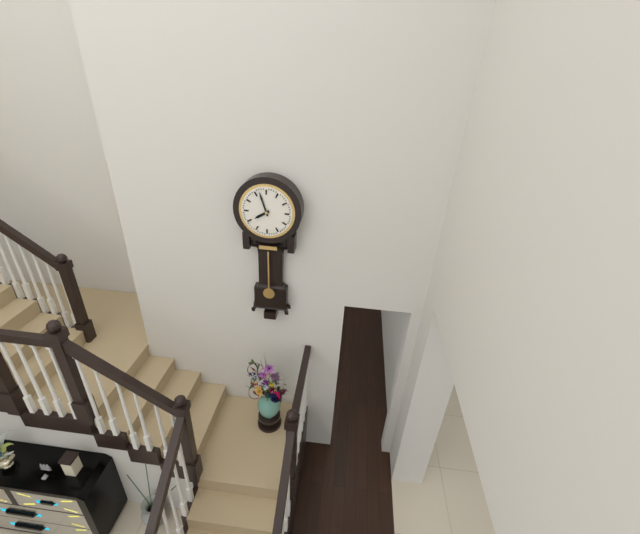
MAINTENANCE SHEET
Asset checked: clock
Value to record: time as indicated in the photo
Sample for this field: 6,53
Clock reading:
7,57
